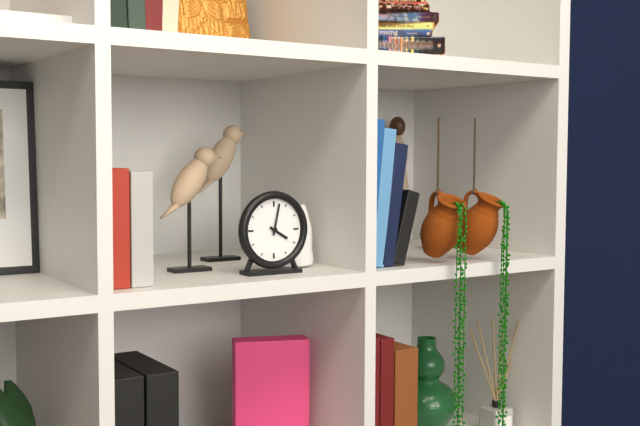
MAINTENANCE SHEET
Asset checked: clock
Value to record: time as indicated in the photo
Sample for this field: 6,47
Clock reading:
4,02
